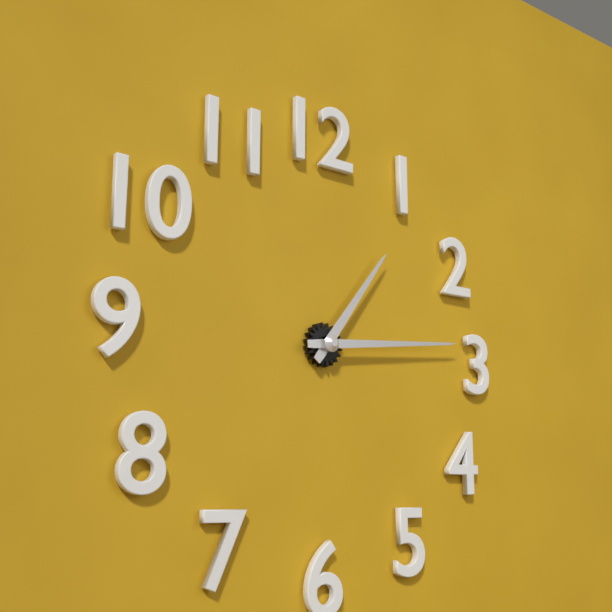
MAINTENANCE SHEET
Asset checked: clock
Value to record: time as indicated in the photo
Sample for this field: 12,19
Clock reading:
1,14
